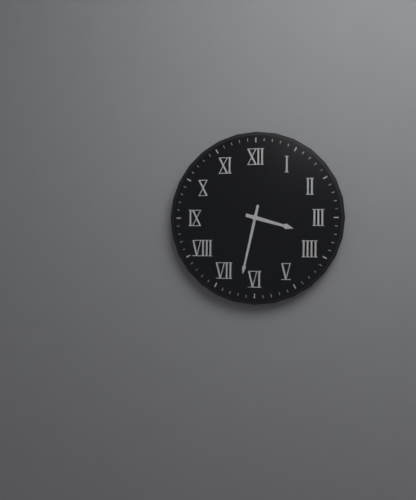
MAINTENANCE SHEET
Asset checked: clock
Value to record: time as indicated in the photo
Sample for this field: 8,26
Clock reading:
3,32
